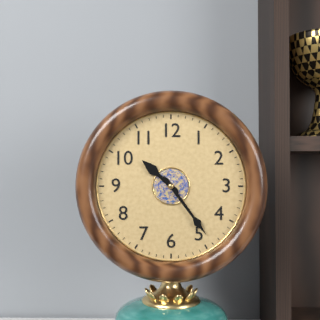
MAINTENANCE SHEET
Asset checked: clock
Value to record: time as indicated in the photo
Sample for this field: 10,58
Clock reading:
10,24
